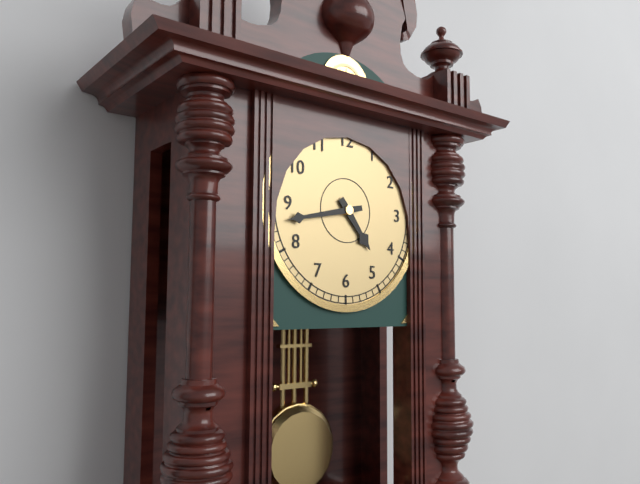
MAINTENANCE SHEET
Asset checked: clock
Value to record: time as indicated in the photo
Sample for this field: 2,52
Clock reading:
4,43
